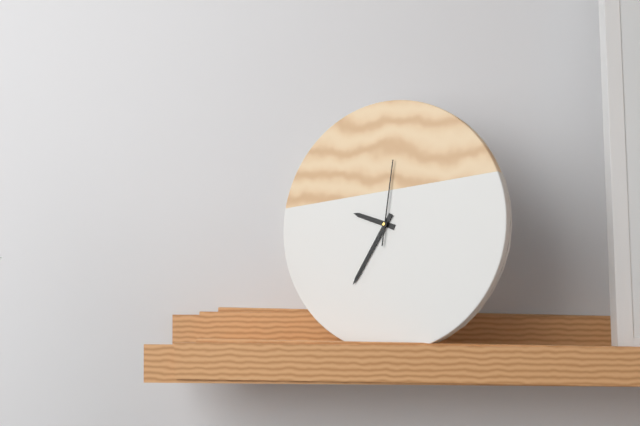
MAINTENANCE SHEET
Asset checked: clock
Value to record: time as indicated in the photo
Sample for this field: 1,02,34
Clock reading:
9,35,01
